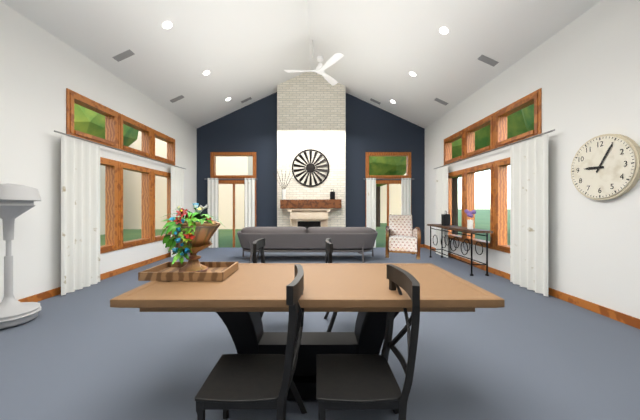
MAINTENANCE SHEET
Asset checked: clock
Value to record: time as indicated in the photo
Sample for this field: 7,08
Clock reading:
9,05
